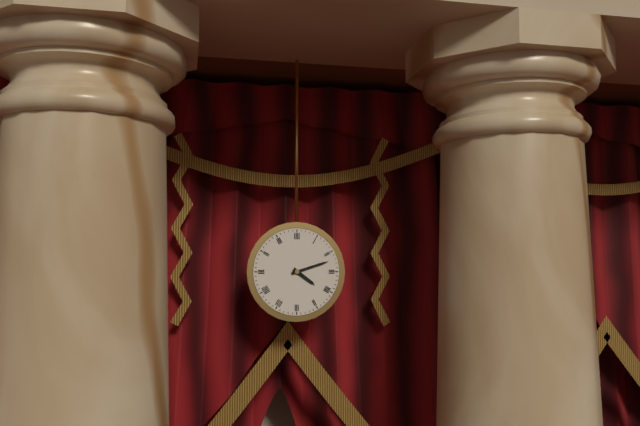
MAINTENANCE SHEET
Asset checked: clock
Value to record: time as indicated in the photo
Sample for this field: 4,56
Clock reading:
4,12
